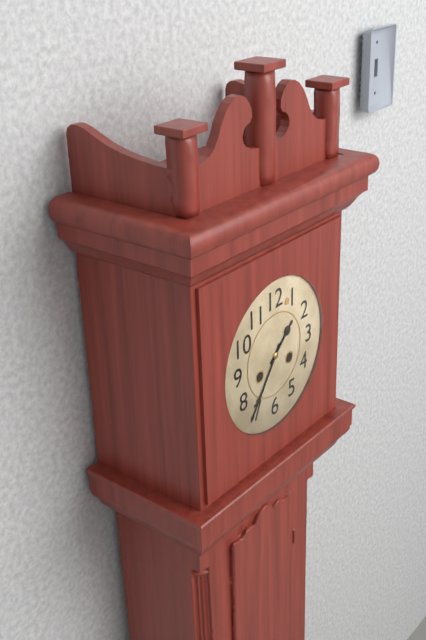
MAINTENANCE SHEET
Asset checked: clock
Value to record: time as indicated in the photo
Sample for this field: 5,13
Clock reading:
1,36
